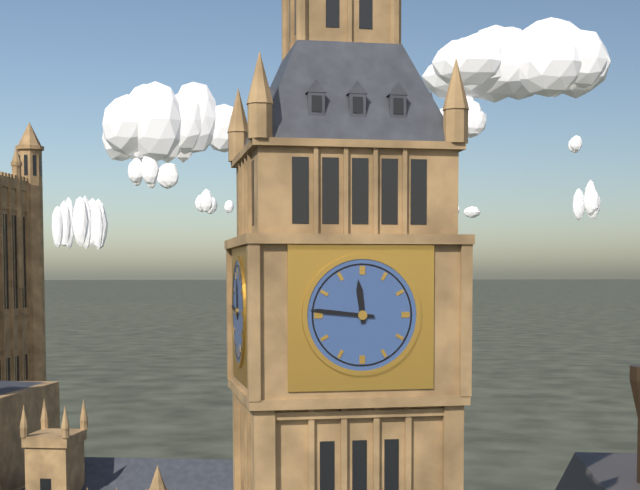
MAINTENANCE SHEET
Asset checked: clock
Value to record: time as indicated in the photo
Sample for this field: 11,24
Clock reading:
11,46
